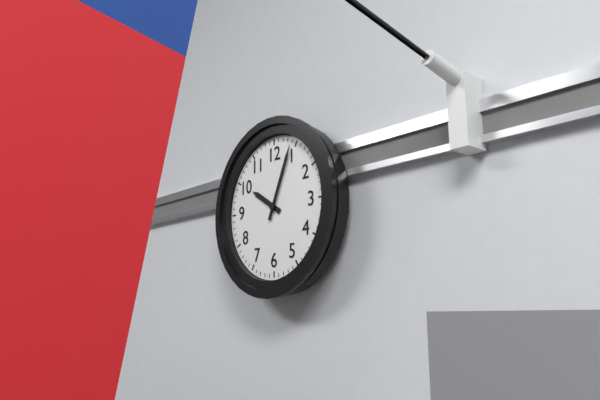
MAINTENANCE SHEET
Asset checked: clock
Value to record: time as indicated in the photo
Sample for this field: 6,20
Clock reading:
10,04
